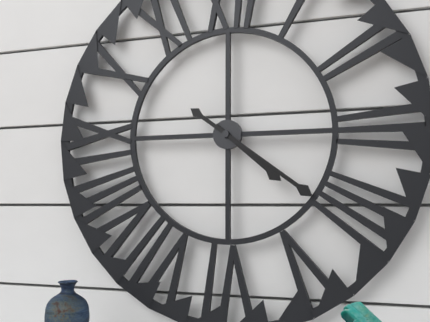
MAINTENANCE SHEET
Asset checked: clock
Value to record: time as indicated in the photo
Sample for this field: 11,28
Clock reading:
4,21
